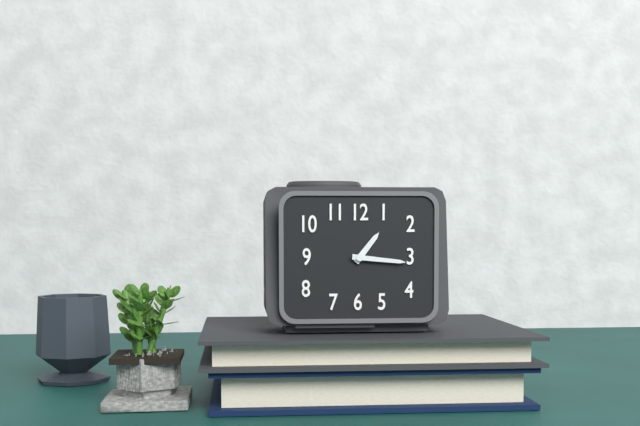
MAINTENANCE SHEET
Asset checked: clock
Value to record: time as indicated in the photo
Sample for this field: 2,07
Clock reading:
1,16
